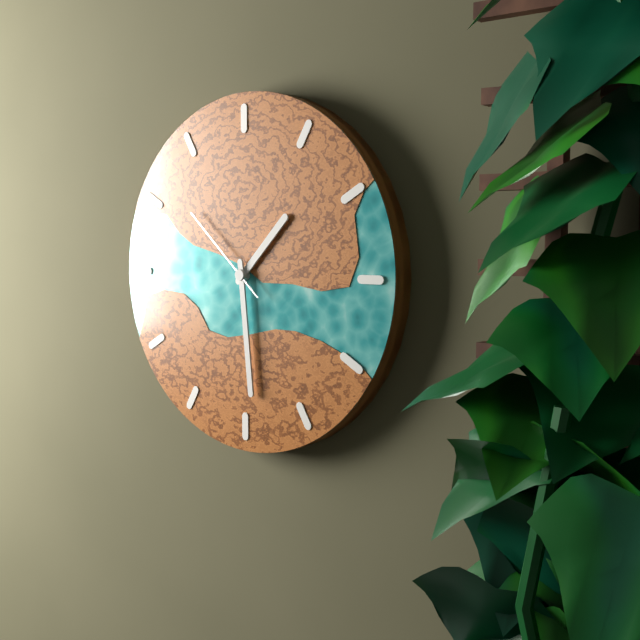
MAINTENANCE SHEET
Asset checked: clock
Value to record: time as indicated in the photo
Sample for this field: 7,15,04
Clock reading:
1,29,52
